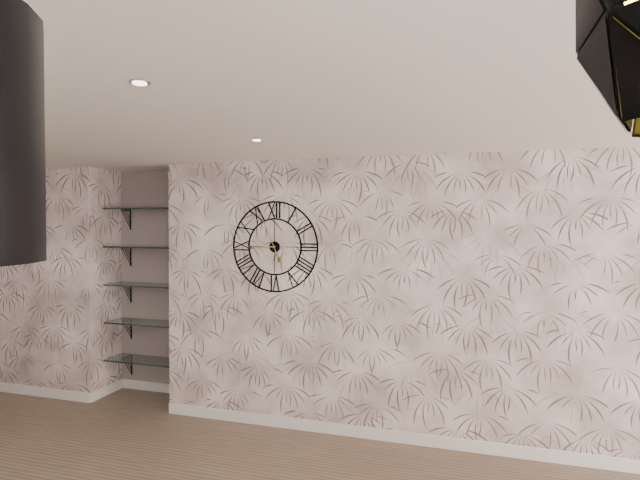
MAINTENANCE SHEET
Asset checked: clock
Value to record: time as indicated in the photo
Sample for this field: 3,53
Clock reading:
8,56
